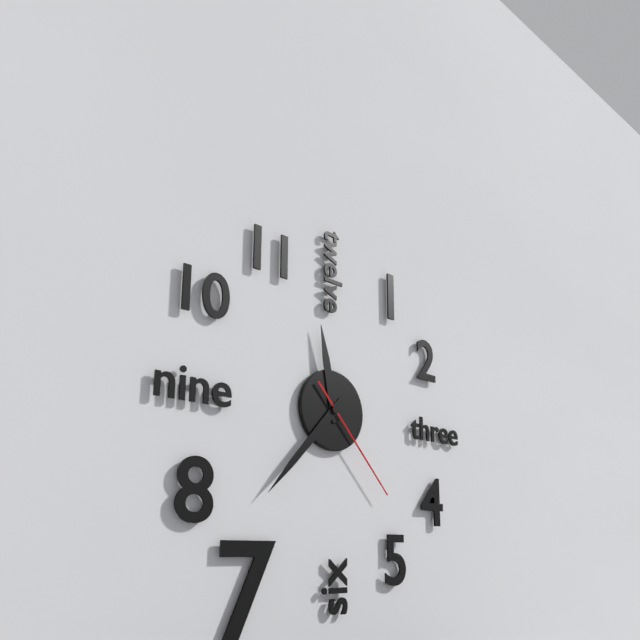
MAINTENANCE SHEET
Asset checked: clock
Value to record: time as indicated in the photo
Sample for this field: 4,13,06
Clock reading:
11,37,23
